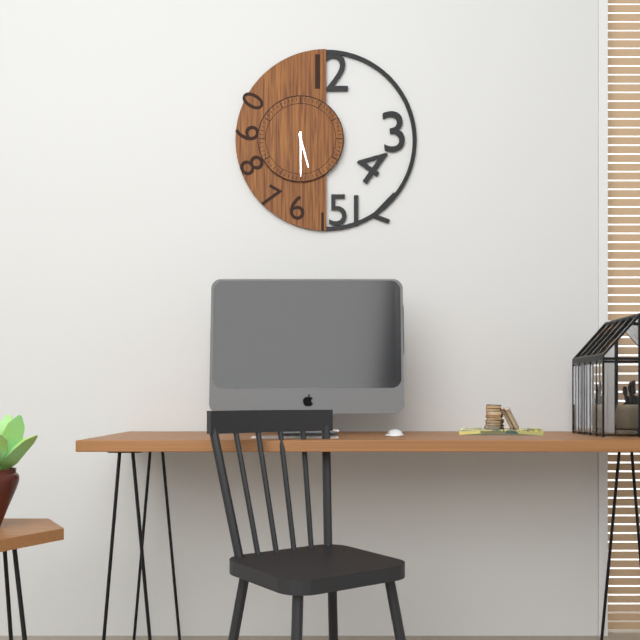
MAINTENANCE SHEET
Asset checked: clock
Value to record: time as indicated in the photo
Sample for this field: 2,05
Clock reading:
5,30
